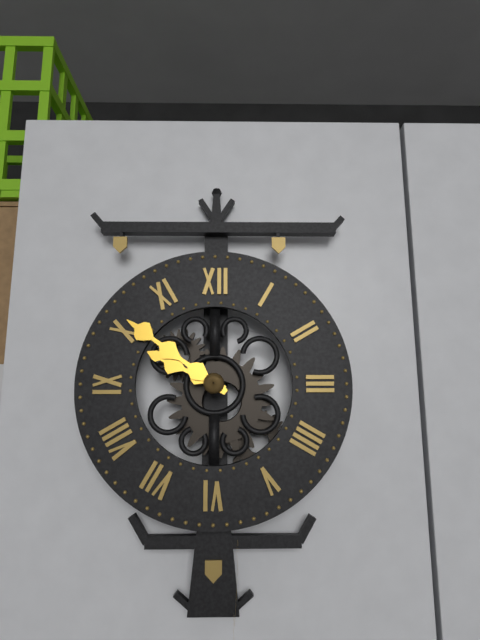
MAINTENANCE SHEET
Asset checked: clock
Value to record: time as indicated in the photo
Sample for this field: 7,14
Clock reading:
9,51
